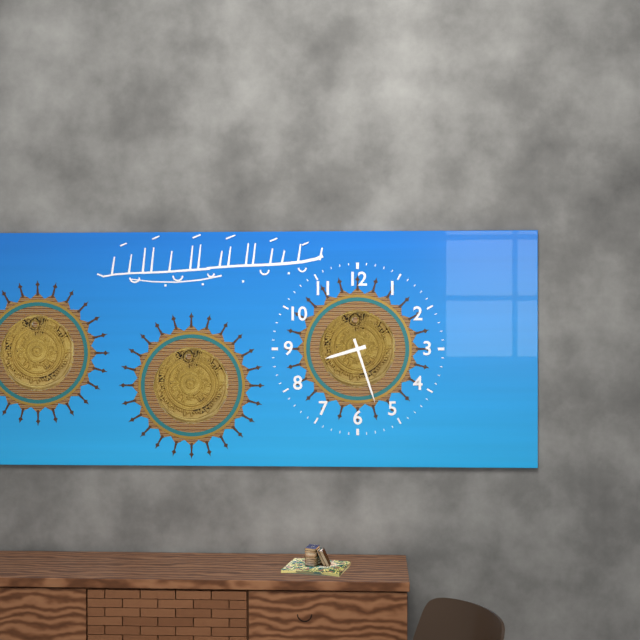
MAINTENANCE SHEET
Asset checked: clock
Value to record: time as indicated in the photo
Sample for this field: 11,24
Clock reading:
8,27
